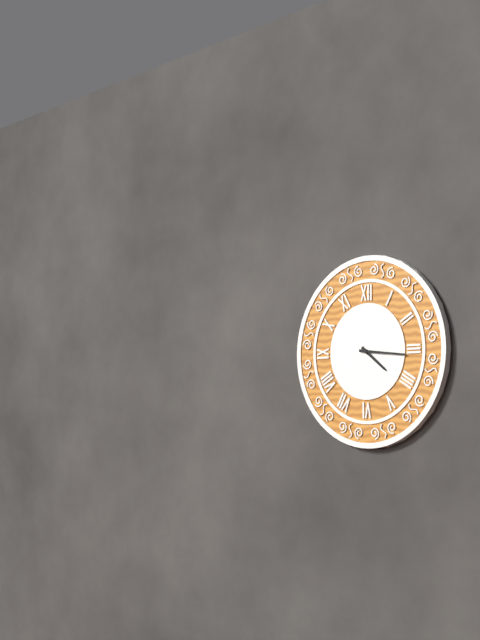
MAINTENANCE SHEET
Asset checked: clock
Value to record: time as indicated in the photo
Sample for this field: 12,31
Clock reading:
4,16
